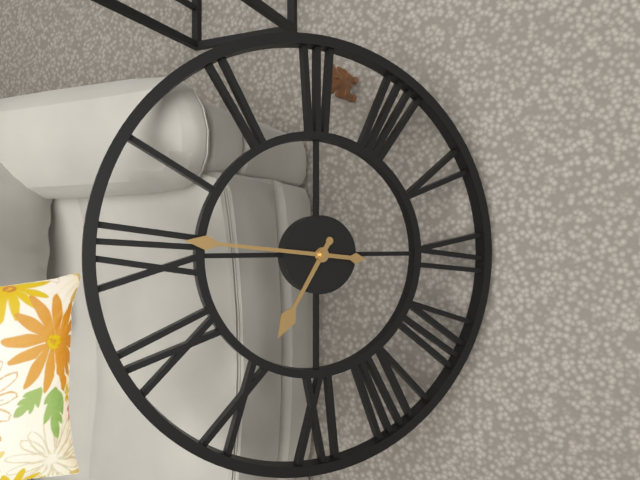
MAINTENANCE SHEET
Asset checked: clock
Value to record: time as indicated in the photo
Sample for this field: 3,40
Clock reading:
10,01
